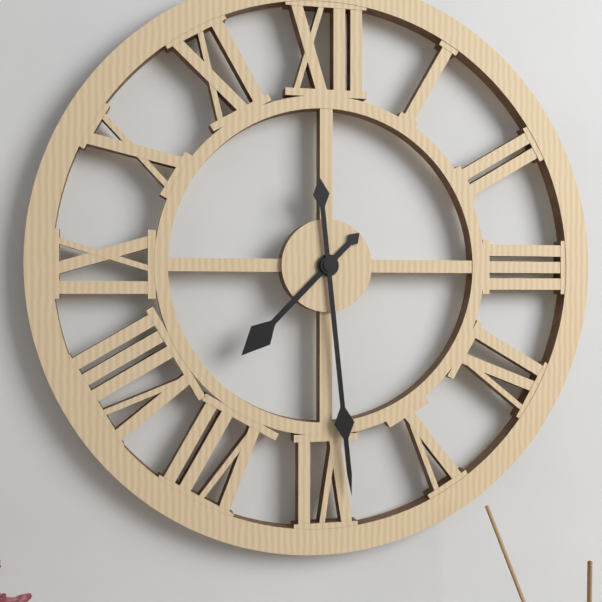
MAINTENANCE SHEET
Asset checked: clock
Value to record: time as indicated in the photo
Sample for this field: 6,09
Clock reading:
7,29
